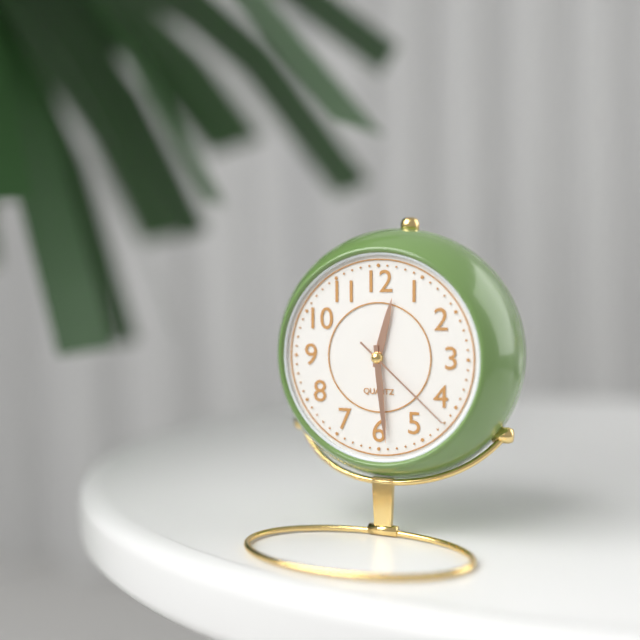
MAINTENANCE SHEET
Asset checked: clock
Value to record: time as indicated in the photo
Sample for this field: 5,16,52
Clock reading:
12,29,22
